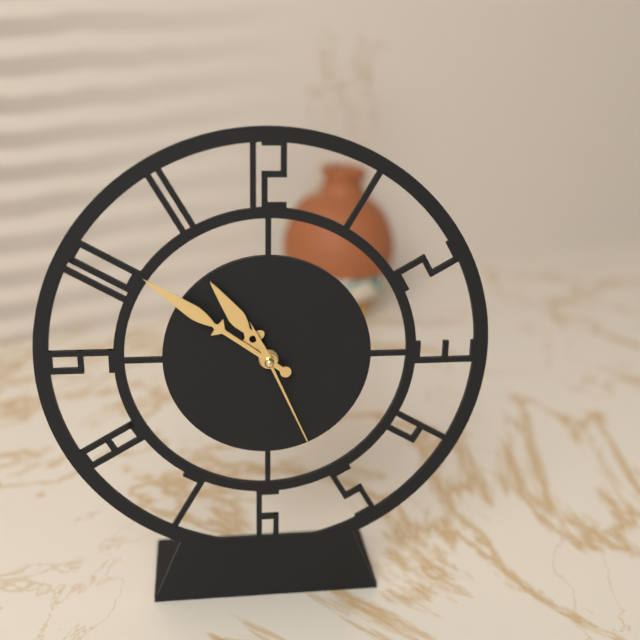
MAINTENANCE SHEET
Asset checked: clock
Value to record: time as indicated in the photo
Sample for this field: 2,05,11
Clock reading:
10,51,26
